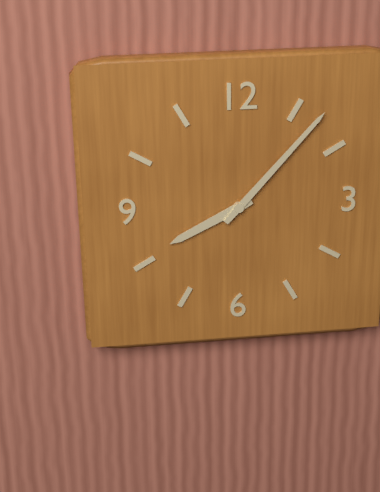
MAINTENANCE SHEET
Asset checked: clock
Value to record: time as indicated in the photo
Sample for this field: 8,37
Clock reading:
8,07
